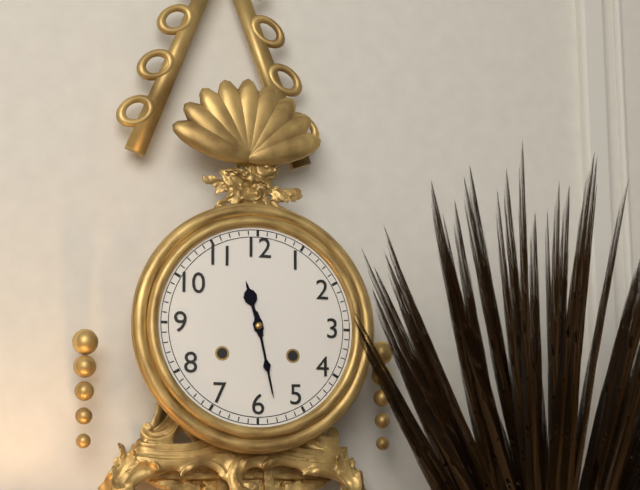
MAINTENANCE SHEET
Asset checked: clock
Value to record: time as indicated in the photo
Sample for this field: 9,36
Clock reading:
11,28
